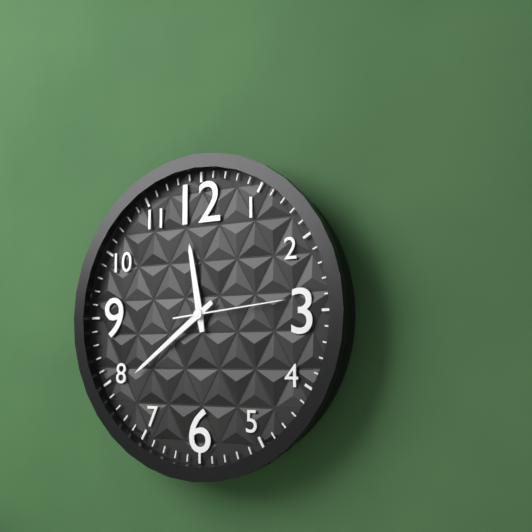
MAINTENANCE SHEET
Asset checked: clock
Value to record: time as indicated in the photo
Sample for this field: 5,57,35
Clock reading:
11,39,14
